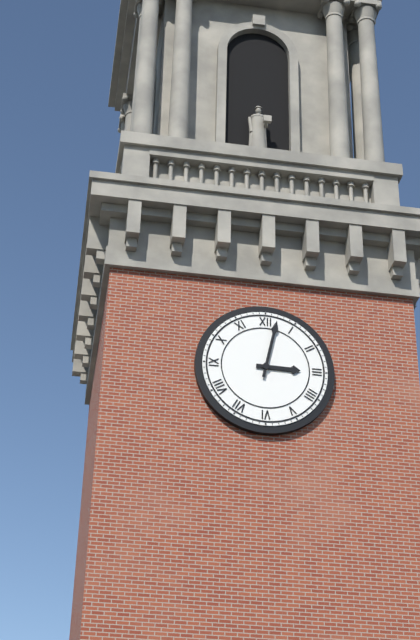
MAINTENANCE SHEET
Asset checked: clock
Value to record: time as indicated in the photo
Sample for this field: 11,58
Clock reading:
3,02
